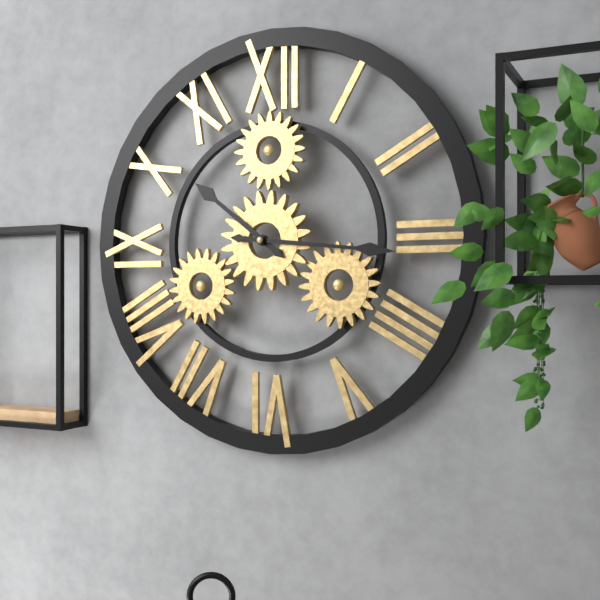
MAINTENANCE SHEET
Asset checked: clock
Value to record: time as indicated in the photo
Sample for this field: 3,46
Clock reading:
10,16
